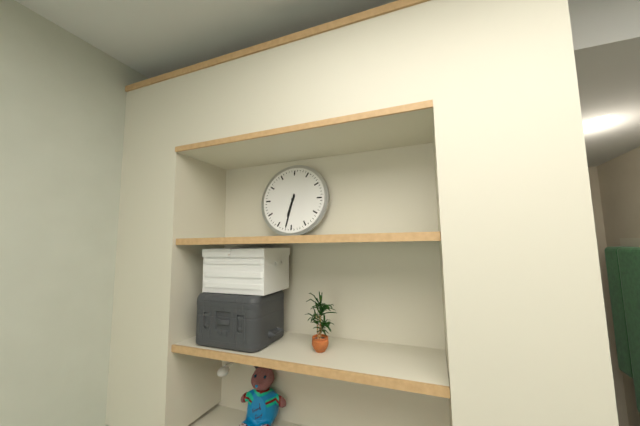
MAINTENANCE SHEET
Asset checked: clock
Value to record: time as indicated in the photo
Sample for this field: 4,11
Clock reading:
6,32
